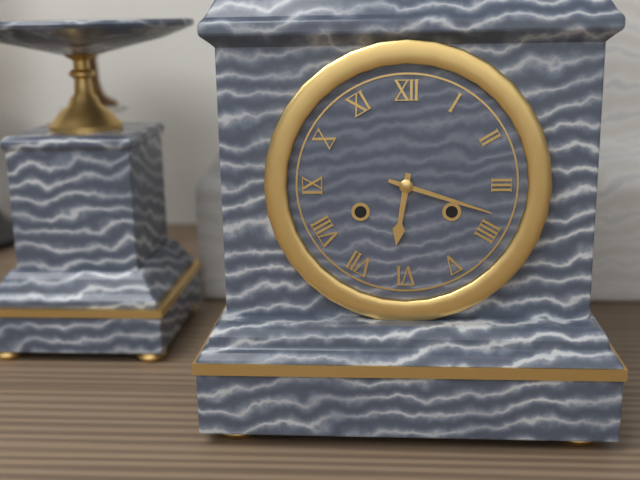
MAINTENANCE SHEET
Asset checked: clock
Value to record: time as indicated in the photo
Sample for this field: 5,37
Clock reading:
6,18
